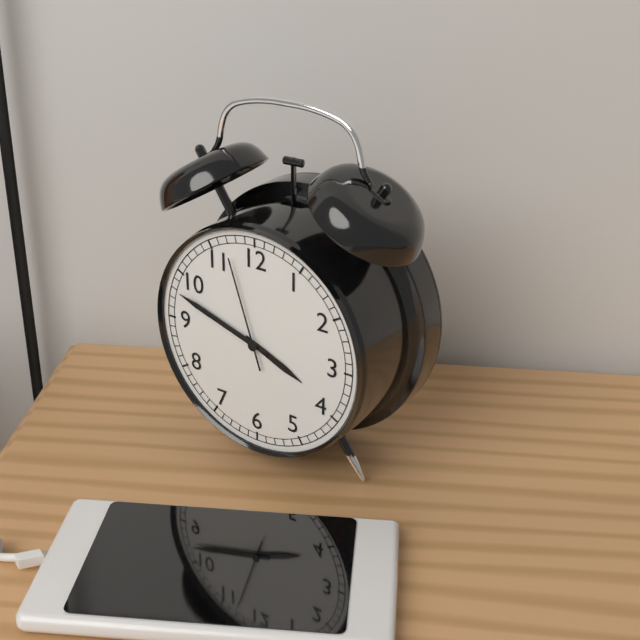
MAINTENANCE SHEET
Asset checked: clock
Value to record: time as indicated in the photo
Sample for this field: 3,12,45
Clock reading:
3,48,57
